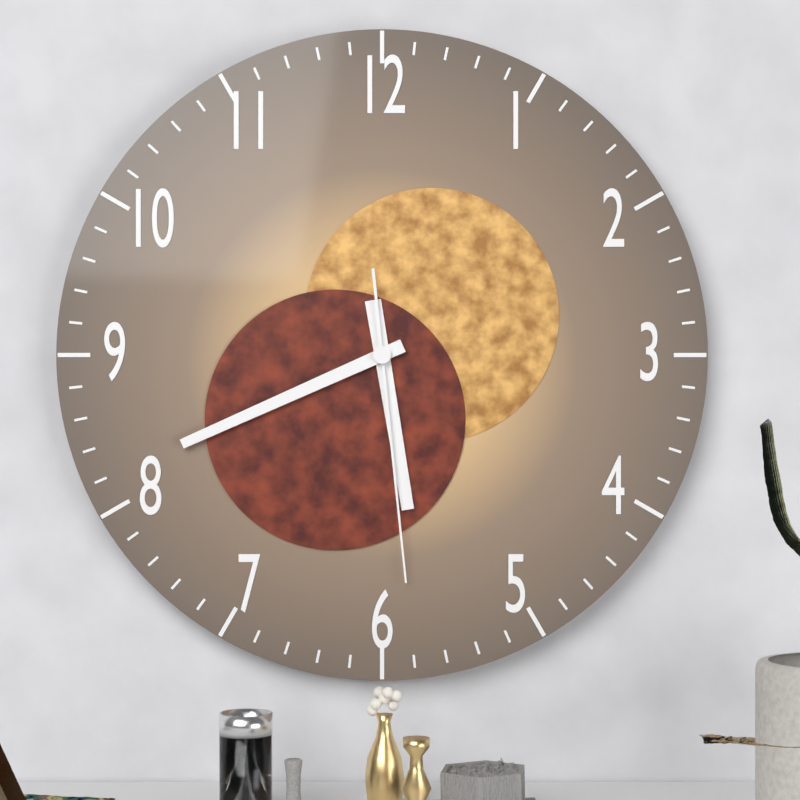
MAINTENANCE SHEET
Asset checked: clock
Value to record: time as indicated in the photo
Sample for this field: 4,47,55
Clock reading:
5,41,29
